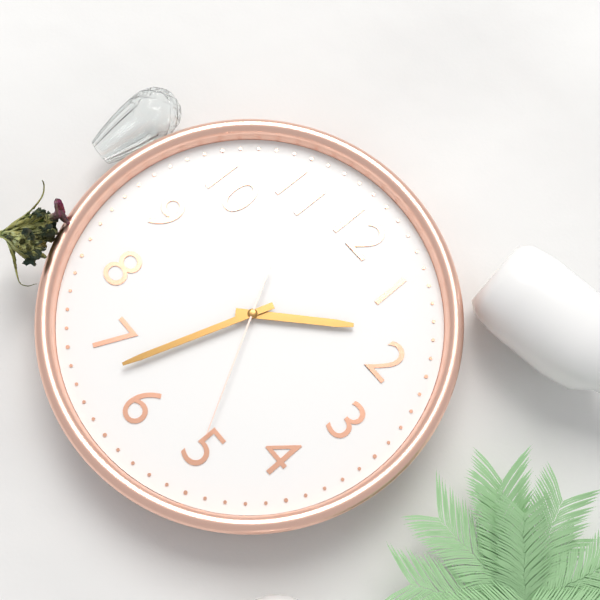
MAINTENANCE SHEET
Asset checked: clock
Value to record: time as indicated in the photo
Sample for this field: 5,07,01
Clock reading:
1,33,25
